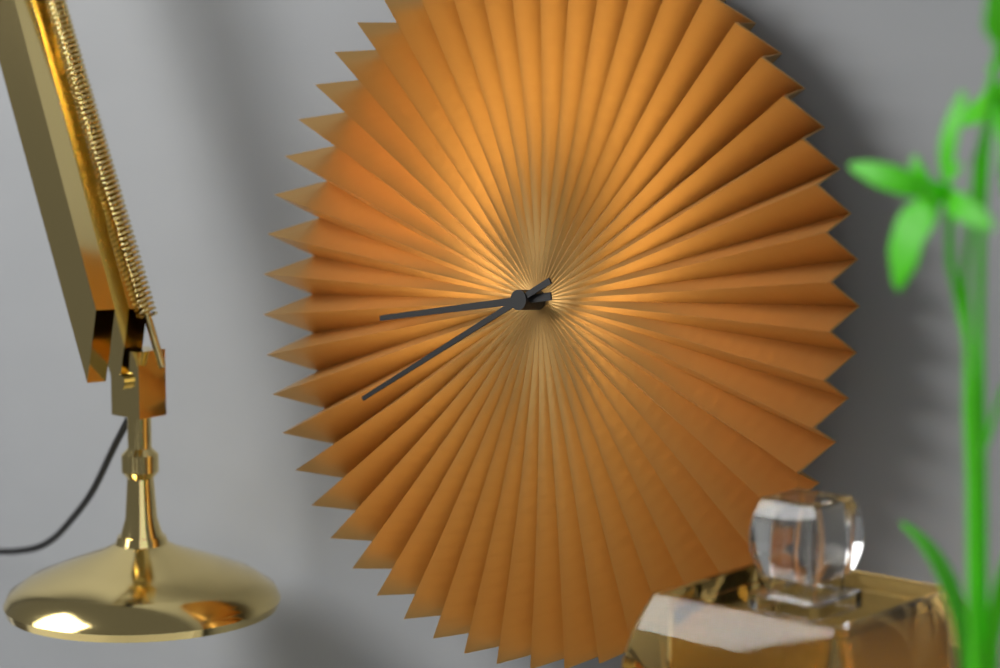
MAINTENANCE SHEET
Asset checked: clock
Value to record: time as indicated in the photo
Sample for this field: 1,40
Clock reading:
8,40
